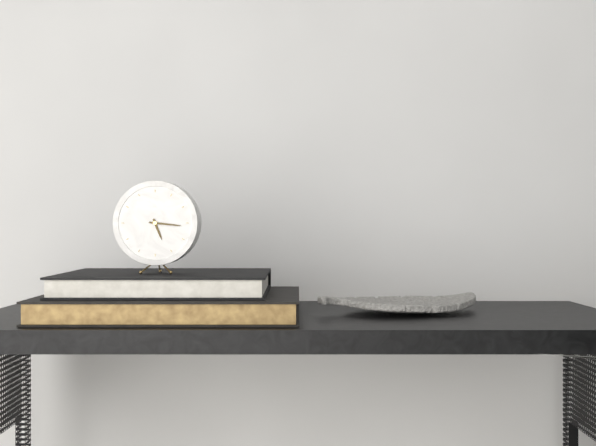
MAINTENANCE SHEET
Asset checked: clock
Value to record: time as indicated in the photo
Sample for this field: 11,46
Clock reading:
5,16
